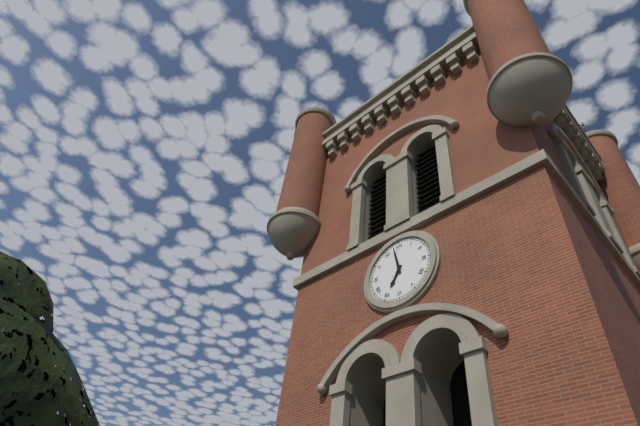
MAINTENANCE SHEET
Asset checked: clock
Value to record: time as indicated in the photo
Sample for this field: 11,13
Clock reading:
6,58
